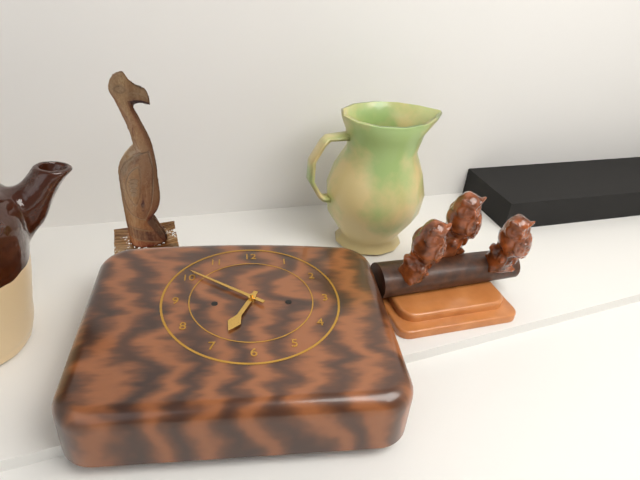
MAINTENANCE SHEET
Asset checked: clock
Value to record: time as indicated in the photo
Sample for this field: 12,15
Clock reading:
6,51
